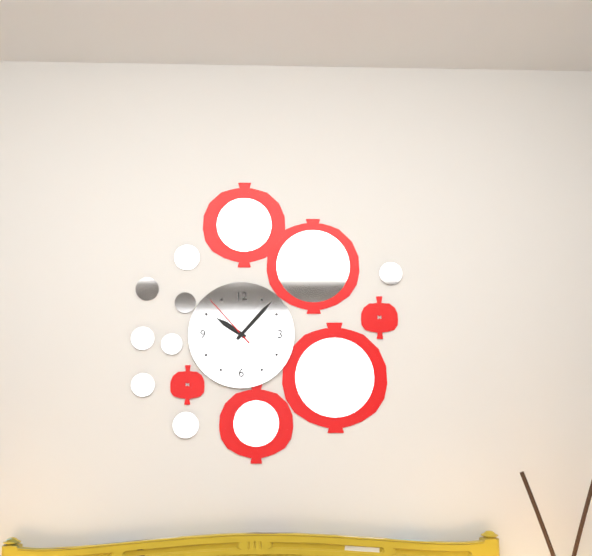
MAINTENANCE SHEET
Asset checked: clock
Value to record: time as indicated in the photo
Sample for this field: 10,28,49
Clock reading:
10,07,53
